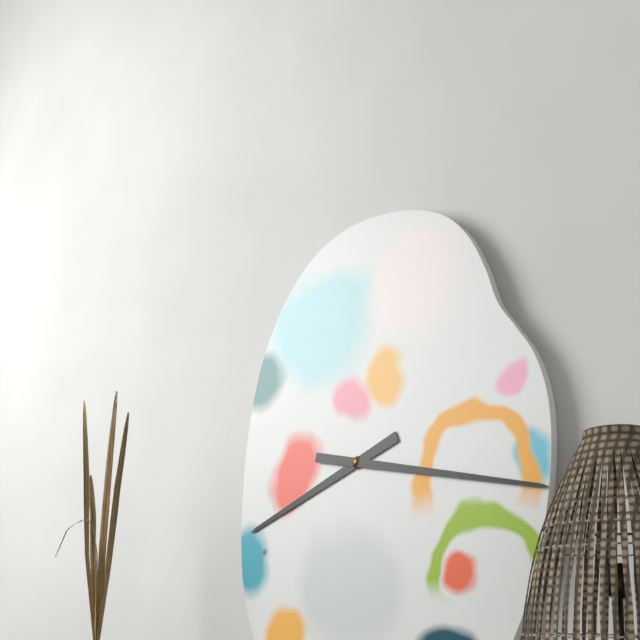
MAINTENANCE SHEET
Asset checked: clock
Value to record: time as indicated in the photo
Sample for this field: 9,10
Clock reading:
8,17
